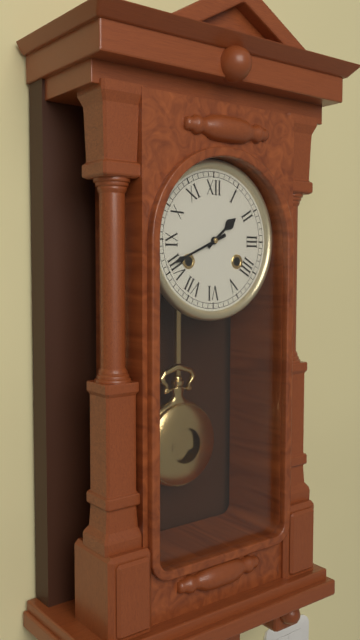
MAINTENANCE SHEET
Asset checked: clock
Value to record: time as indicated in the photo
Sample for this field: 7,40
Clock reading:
1,41
